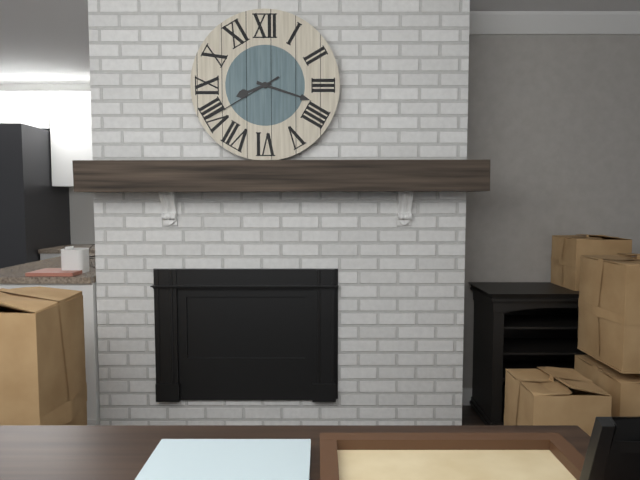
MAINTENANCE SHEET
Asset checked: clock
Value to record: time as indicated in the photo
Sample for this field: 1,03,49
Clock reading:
8,18,40
